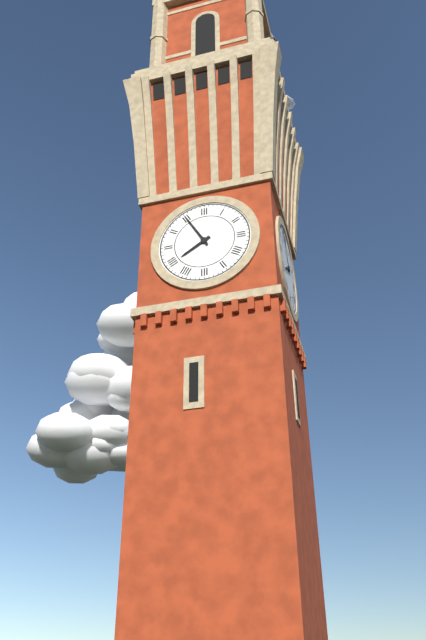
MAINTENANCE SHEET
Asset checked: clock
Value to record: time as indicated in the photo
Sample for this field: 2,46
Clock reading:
7,55
